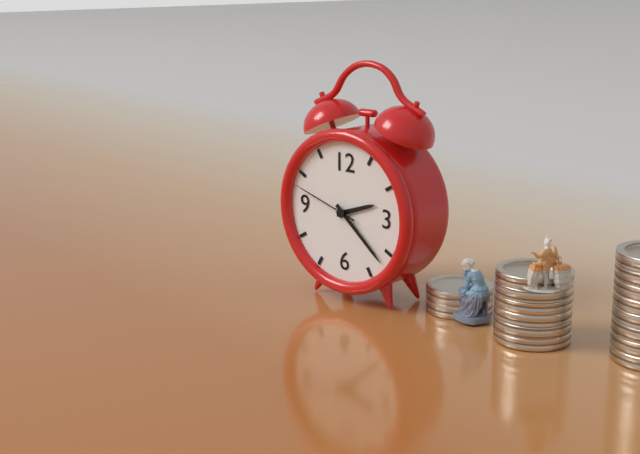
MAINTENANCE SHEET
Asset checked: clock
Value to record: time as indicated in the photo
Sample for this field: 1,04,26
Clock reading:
2,22,48
